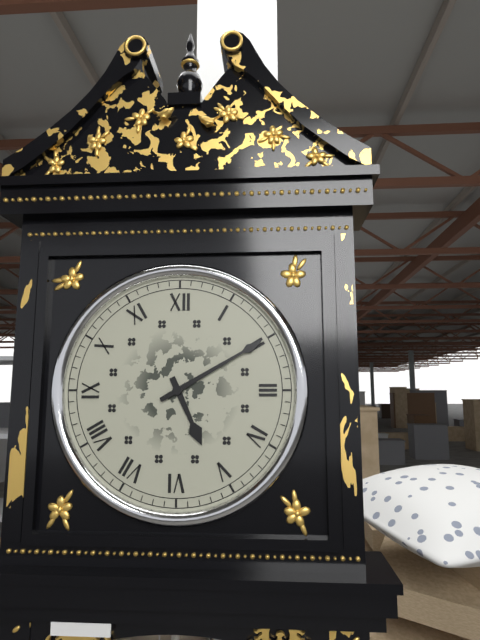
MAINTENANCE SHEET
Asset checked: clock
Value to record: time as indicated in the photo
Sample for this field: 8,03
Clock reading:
5,10
